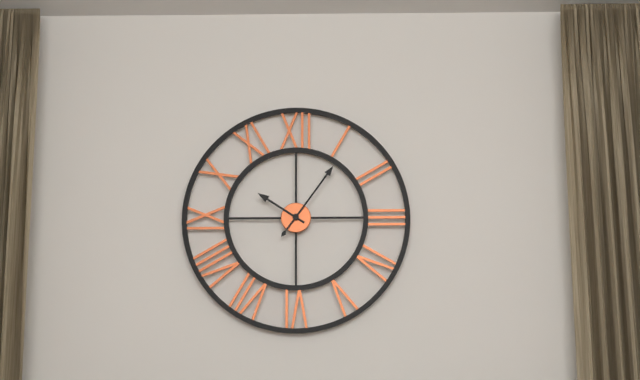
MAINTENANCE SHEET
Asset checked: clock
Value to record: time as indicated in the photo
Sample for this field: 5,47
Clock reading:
10,06
